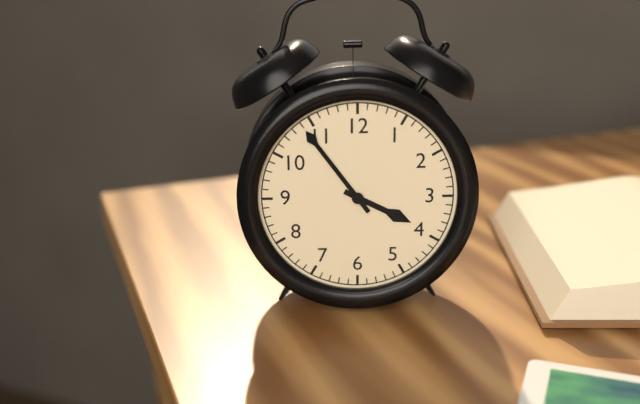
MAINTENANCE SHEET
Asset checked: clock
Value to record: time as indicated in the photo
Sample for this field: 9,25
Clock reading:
3,54
